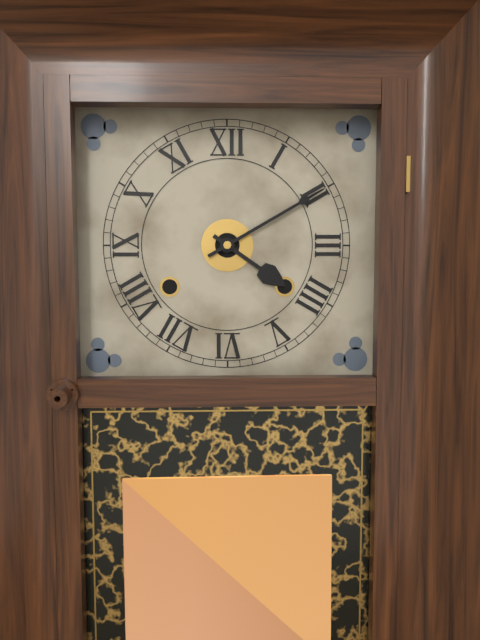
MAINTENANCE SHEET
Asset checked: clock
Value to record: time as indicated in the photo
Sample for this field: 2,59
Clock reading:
4,10
